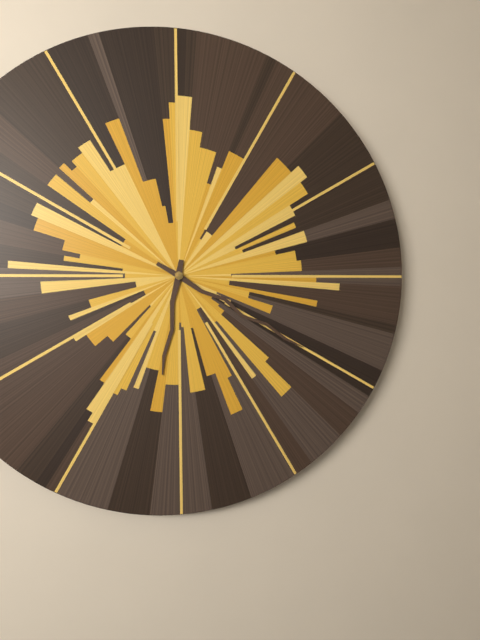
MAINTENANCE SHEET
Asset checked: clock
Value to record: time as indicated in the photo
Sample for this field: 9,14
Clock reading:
6,20
